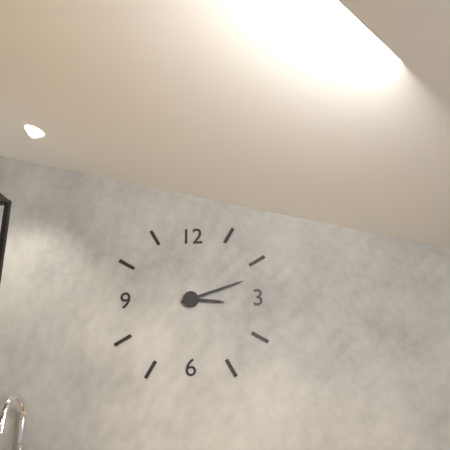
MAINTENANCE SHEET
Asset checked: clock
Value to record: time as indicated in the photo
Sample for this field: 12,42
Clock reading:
3,12
